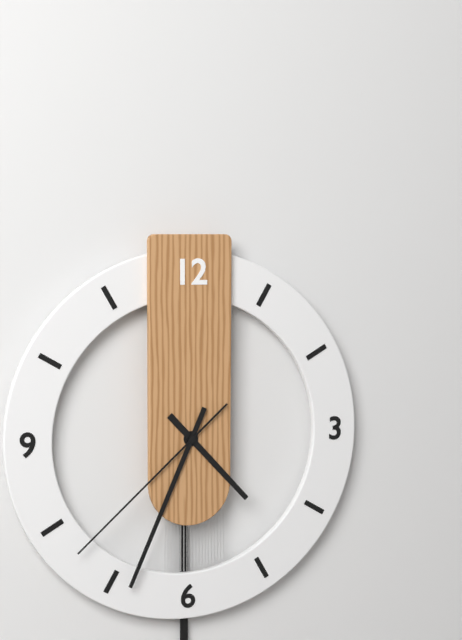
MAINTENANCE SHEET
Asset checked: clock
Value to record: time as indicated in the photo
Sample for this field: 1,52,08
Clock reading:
4,34,38
